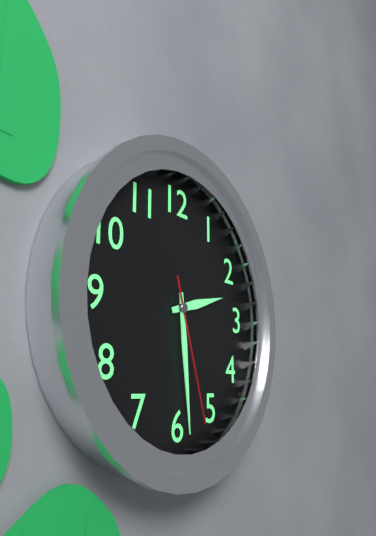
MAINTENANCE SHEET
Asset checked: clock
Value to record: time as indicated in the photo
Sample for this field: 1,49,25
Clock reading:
2,29,27
